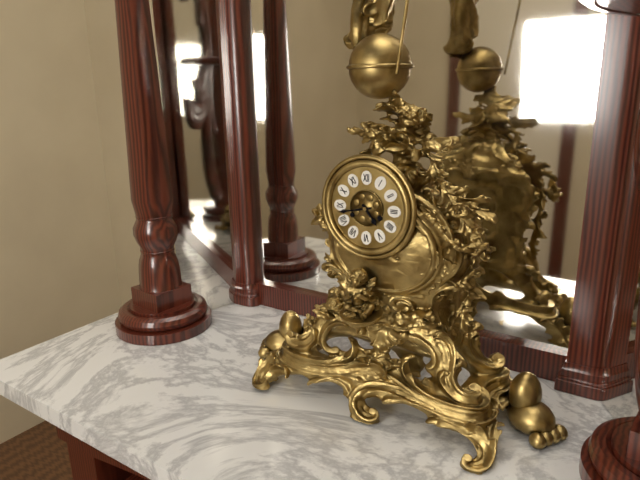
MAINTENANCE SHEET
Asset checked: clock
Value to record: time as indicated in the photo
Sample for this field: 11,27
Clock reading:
4,43
